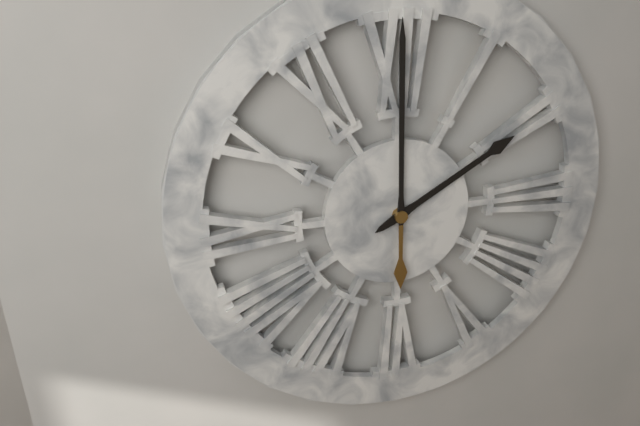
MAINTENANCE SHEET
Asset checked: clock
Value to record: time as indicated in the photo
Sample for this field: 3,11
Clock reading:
2,00
